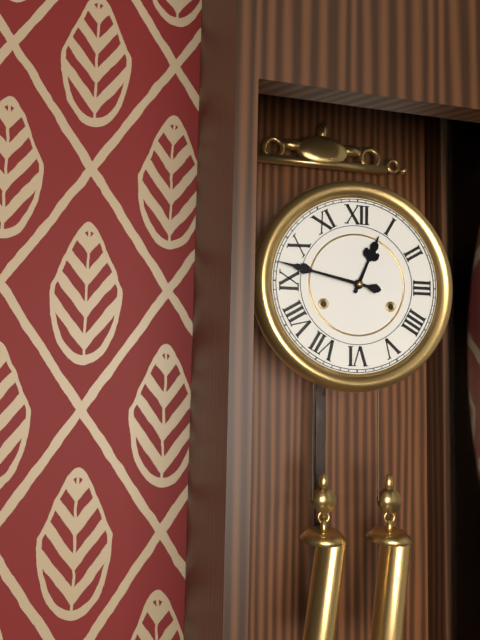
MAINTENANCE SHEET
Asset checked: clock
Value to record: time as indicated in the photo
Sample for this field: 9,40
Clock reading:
12,47
